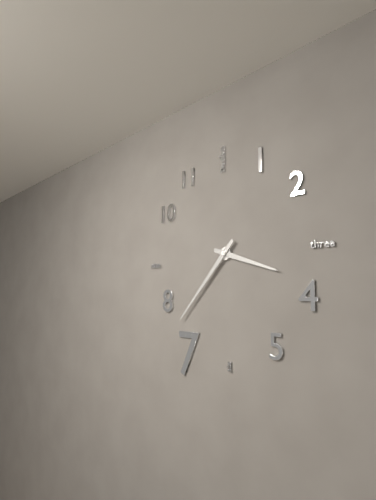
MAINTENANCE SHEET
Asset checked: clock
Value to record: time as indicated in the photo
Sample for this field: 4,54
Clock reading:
3,37
